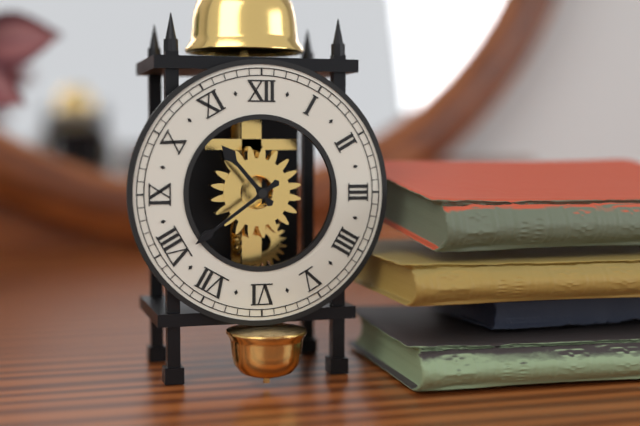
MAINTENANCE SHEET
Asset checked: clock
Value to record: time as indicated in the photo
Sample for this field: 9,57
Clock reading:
10,39
